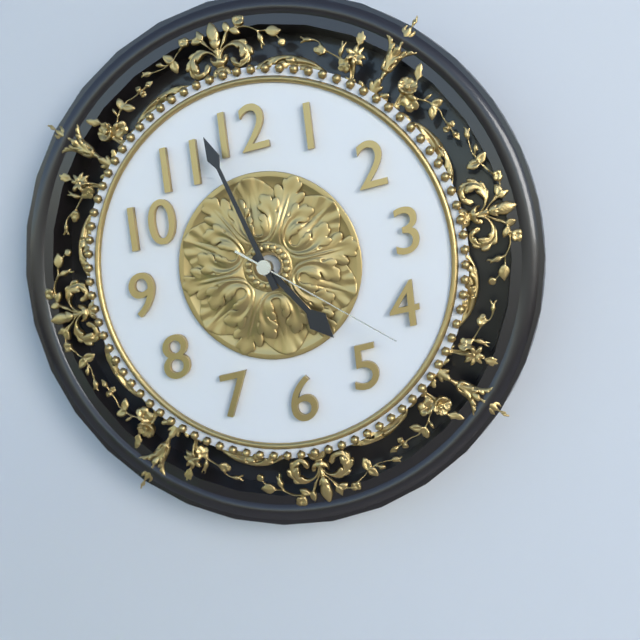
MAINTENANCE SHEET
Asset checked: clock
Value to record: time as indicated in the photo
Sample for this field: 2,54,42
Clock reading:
4,58,22
